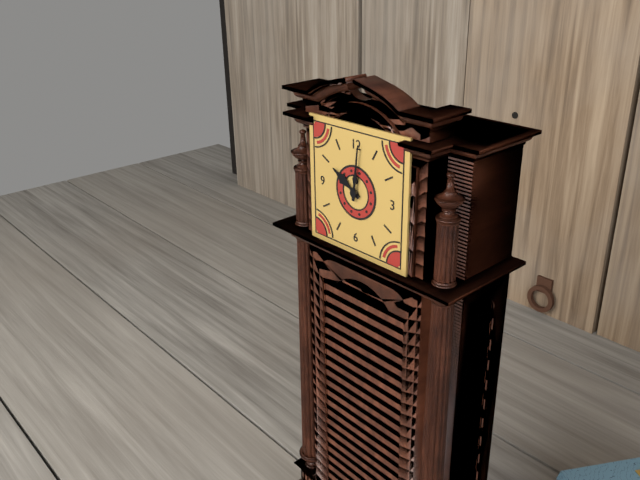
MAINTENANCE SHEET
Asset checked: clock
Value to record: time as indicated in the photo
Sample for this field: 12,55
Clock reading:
10,01
